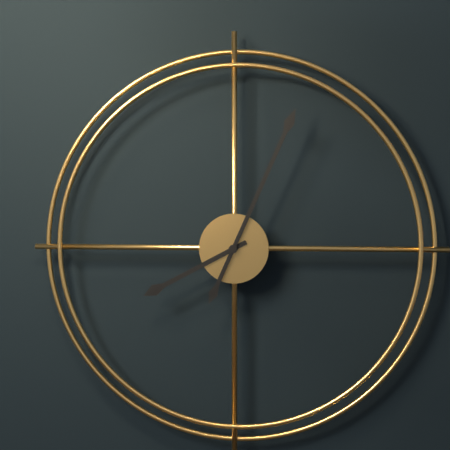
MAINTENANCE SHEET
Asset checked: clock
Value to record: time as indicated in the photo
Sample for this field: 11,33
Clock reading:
8,04
